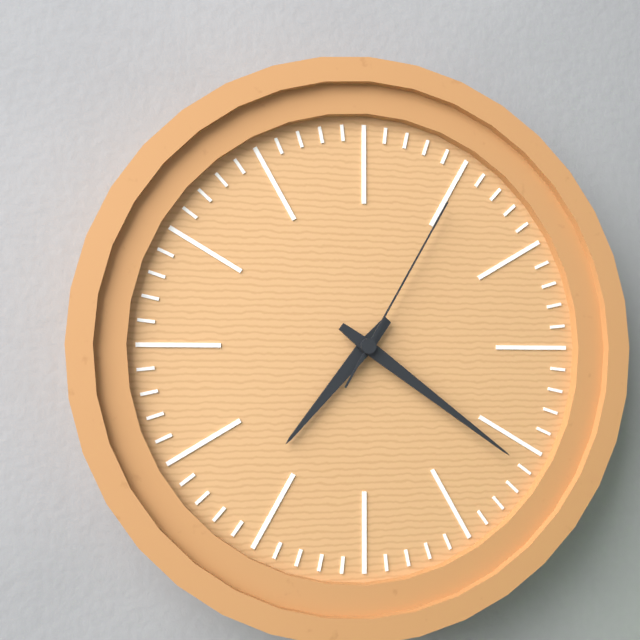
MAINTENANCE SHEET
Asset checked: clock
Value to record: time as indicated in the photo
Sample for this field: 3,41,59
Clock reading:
7,21,05
